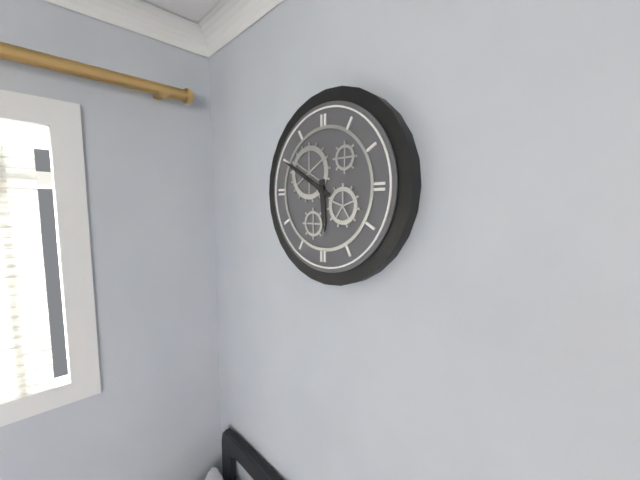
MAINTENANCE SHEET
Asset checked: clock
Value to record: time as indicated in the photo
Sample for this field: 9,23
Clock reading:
5,50
